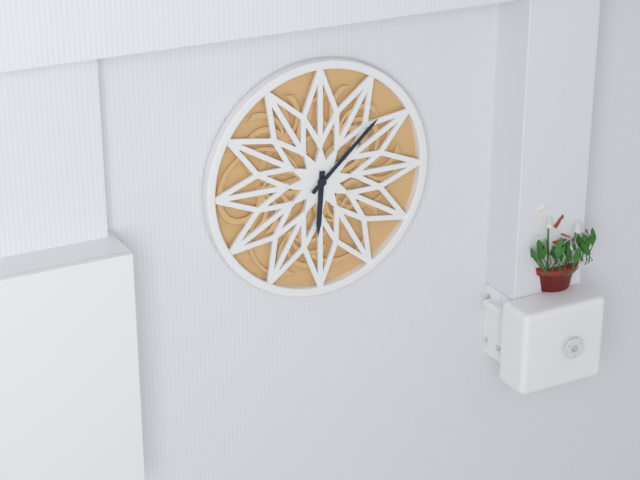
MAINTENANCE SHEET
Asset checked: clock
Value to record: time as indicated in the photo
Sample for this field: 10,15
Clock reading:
6,08
